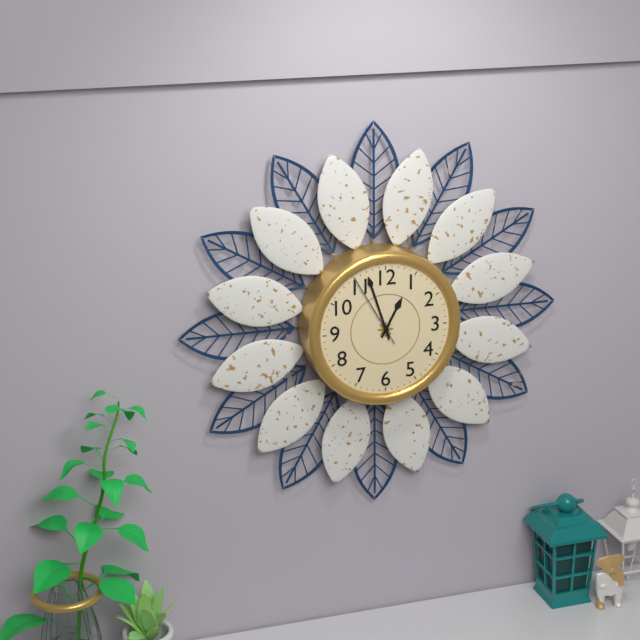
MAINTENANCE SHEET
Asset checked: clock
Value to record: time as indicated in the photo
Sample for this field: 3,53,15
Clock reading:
12,57,55
